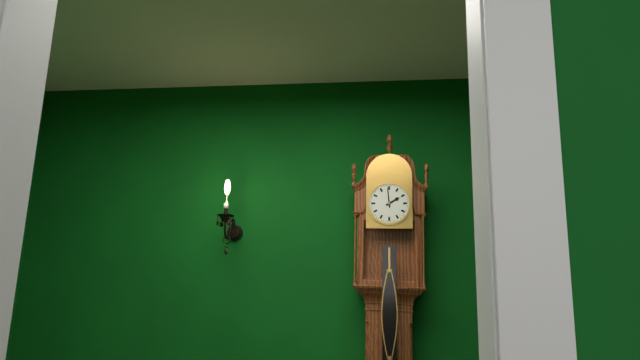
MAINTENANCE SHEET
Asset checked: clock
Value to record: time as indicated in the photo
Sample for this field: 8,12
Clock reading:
1,59
